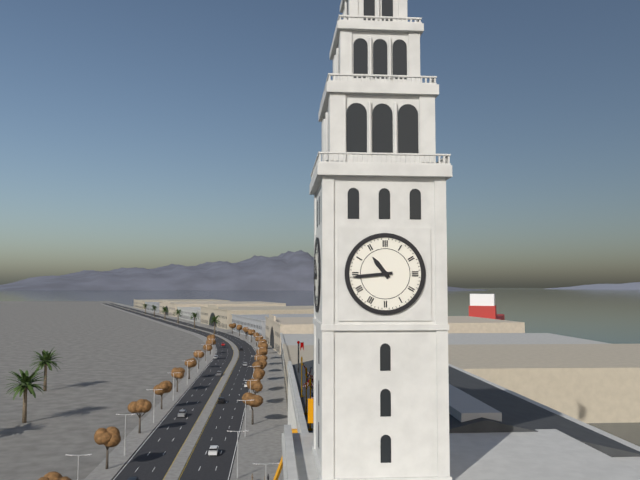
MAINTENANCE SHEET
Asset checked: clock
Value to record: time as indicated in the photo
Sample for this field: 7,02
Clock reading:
10,44
